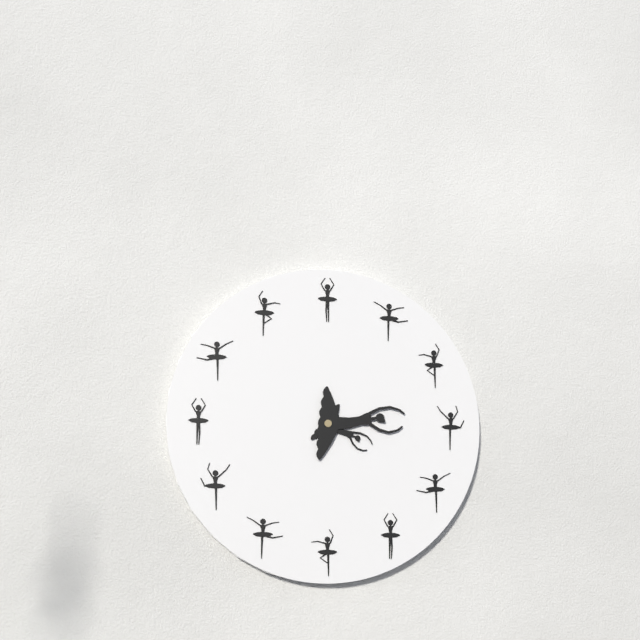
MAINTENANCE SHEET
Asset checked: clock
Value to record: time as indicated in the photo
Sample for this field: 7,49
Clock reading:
4,16
